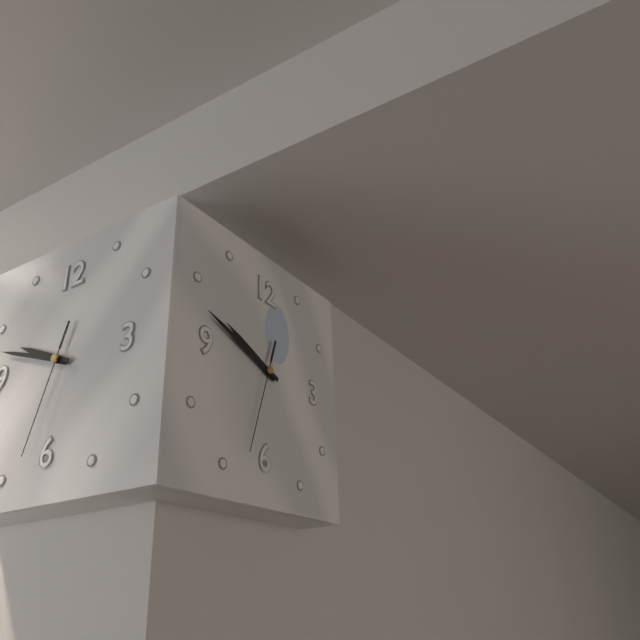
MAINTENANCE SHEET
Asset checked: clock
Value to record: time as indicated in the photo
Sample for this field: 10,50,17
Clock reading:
9,48,33
